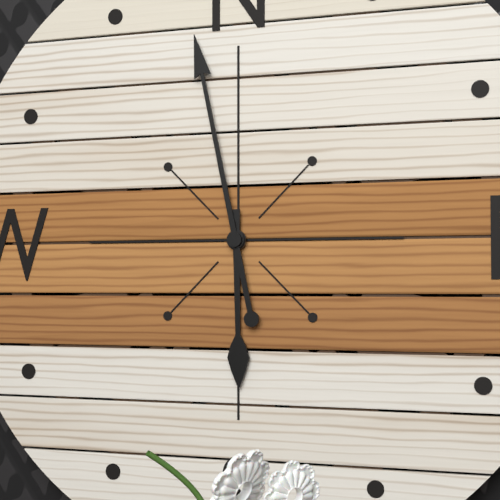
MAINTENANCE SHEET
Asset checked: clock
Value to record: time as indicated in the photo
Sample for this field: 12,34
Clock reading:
5,58
